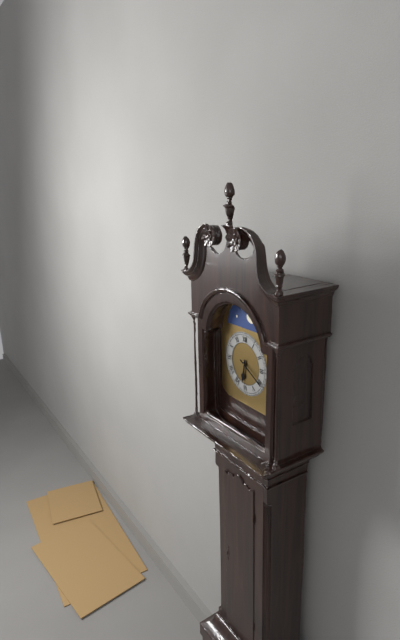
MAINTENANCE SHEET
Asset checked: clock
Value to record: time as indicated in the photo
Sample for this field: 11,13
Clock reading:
6,20
